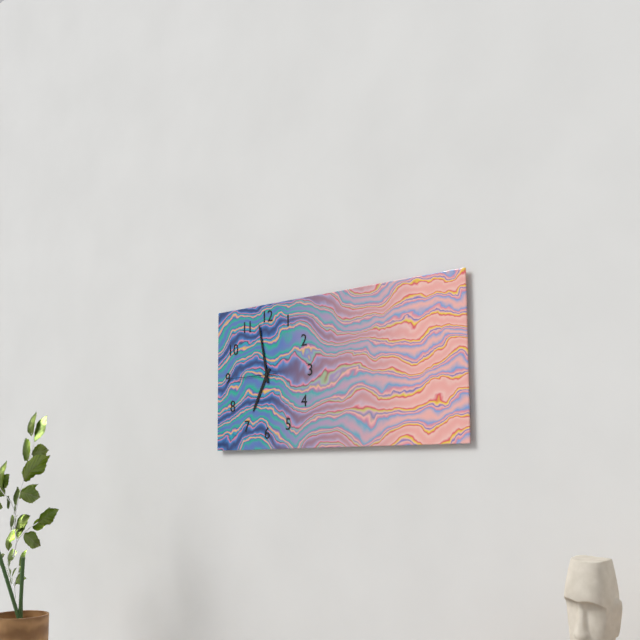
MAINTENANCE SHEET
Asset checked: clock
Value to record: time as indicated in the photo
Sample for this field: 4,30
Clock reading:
6,58
